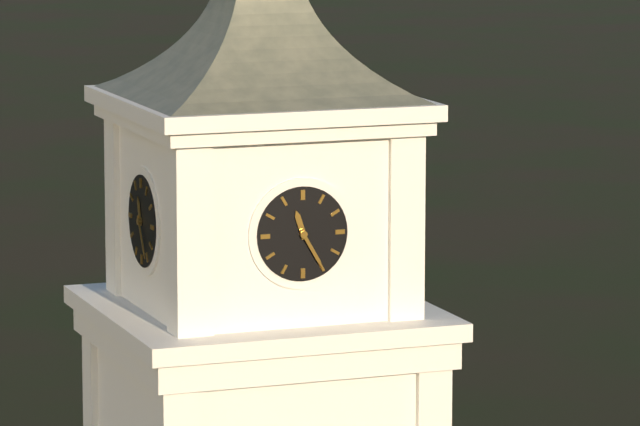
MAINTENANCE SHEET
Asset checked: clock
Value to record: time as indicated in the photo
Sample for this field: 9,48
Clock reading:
11,25
